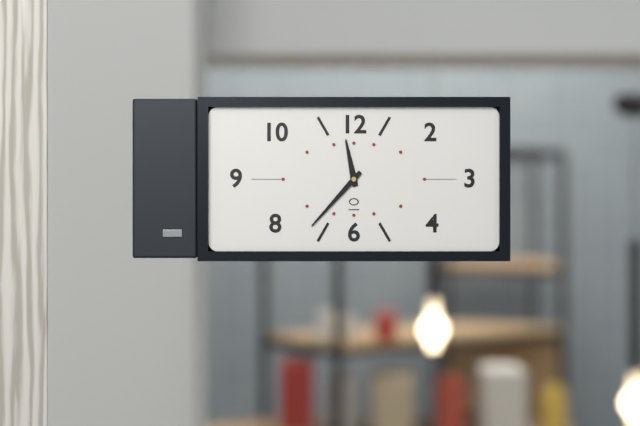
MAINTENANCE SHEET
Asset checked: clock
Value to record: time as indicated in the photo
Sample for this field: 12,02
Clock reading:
11,37
